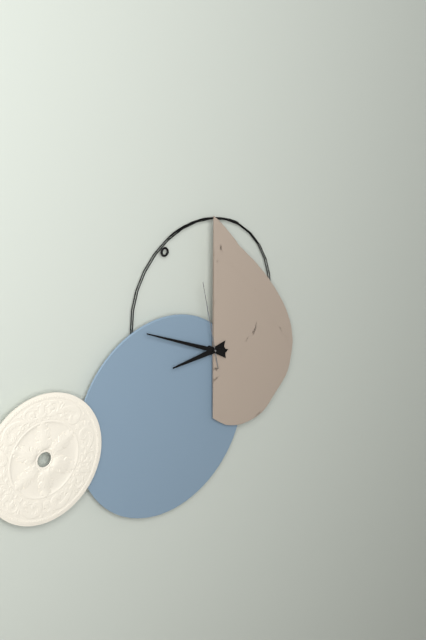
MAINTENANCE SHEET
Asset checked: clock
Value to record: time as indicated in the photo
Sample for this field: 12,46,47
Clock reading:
8,49,58
